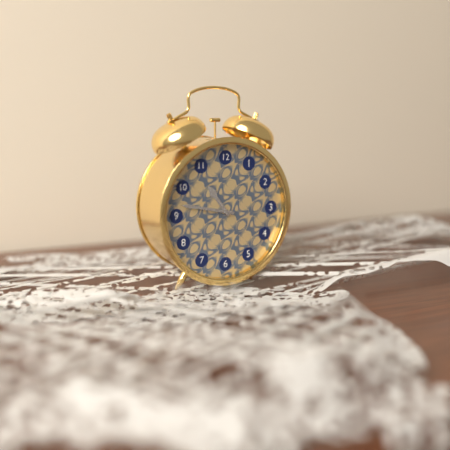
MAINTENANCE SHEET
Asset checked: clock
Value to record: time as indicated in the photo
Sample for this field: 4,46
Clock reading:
10,47
